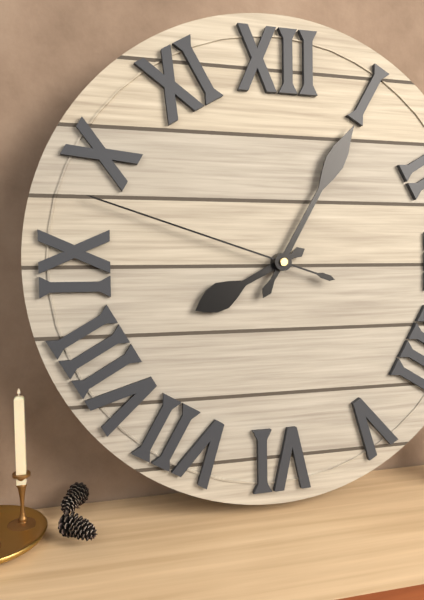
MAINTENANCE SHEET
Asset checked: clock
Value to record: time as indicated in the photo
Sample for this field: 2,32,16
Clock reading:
8,05,48
